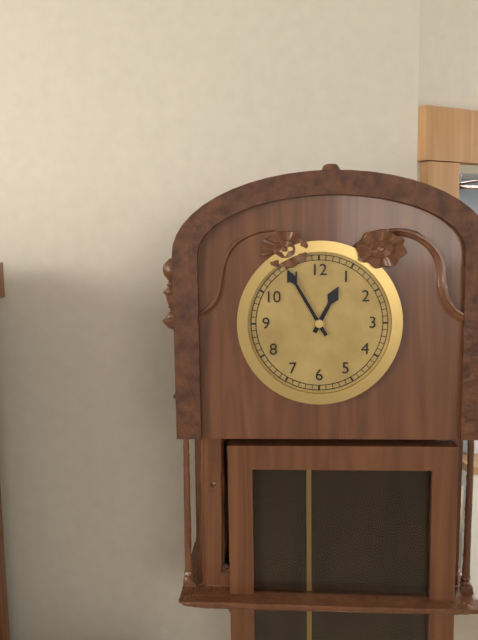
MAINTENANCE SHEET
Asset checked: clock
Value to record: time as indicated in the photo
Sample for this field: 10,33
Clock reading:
12,55
